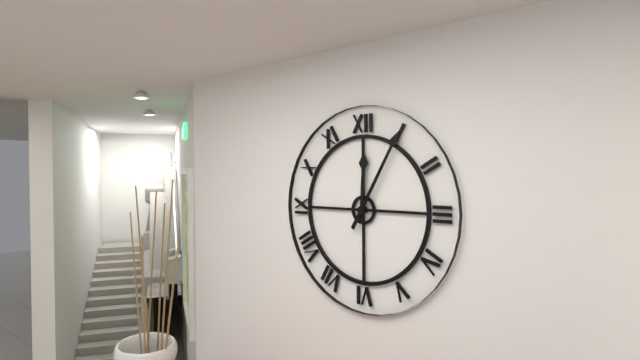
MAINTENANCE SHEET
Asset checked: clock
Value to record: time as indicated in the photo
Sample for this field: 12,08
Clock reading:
12,05
